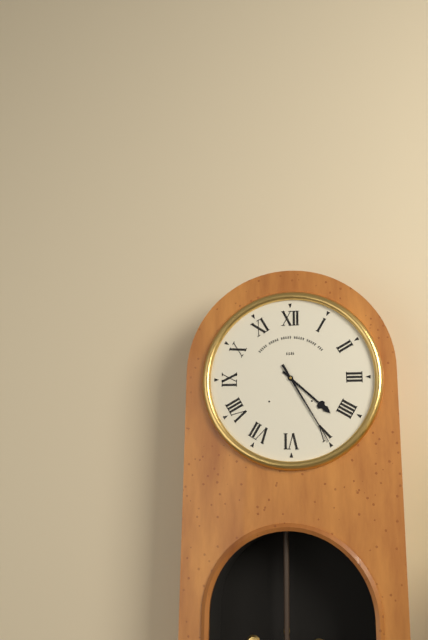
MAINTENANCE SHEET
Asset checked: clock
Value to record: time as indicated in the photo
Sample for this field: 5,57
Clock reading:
4,25
